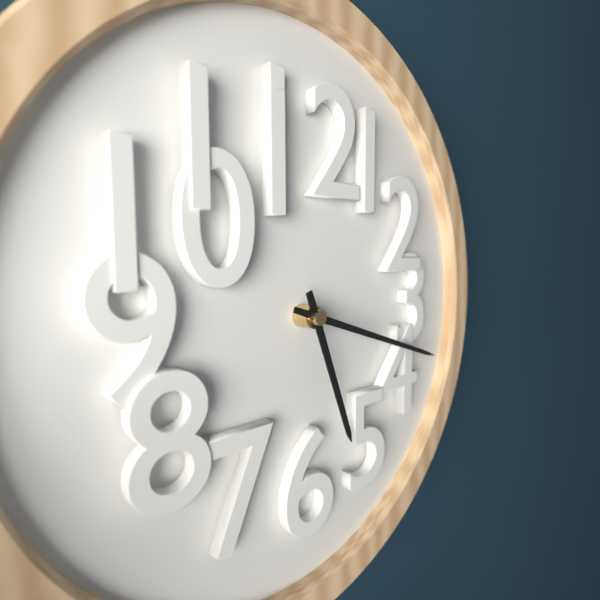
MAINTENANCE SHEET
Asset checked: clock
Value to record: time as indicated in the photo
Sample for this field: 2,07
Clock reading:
5,18
